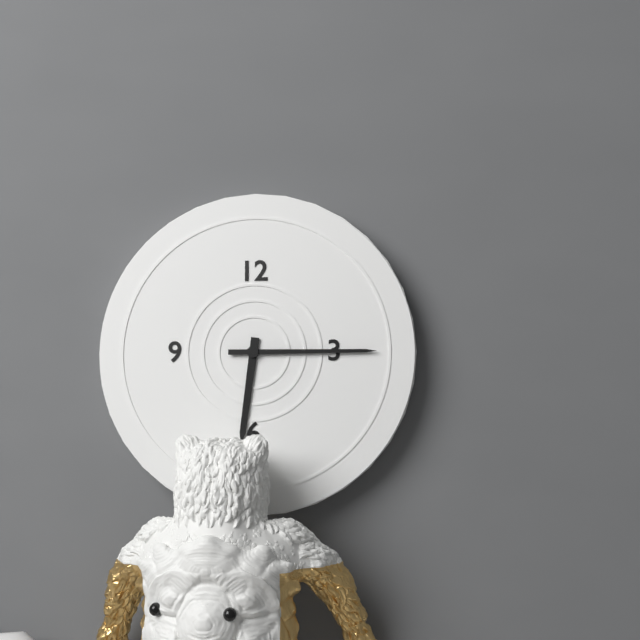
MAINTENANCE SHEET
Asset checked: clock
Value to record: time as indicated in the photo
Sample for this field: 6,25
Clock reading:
6,15
